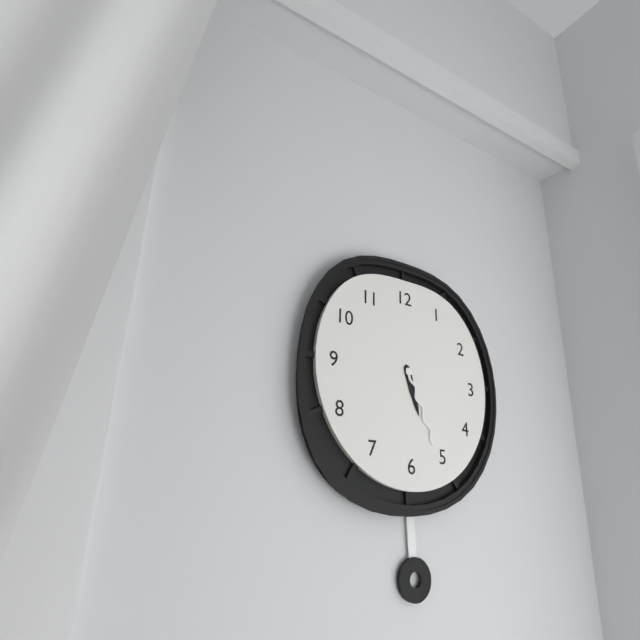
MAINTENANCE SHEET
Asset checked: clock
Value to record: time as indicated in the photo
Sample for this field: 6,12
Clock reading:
5,26
